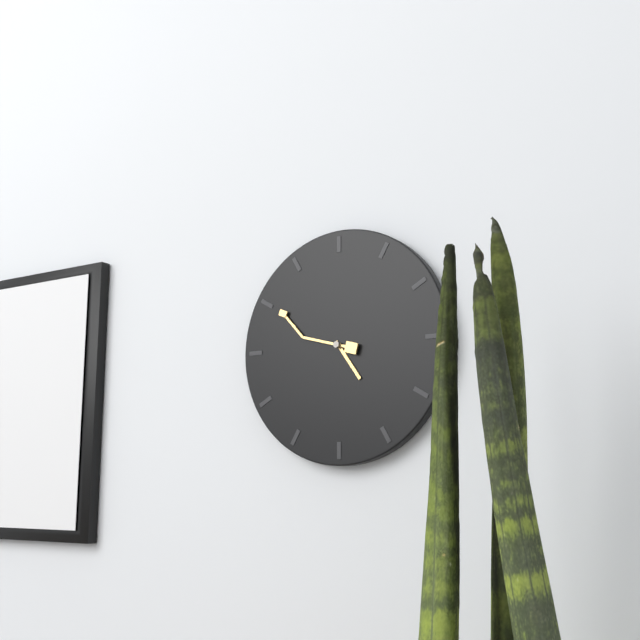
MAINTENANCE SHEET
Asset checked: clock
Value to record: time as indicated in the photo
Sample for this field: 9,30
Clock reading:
4,50
